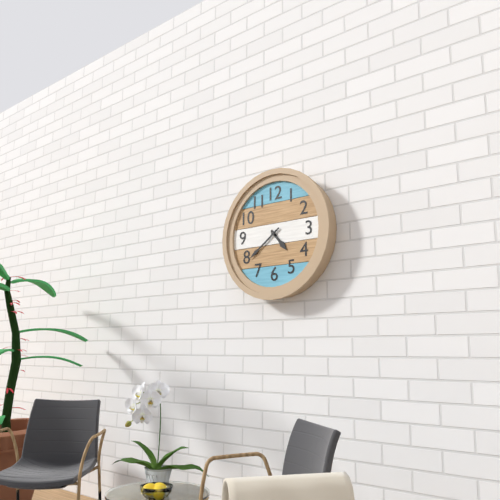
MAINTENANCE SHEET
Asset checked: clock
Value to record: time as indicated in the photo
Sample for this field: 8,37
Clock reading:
4,39
